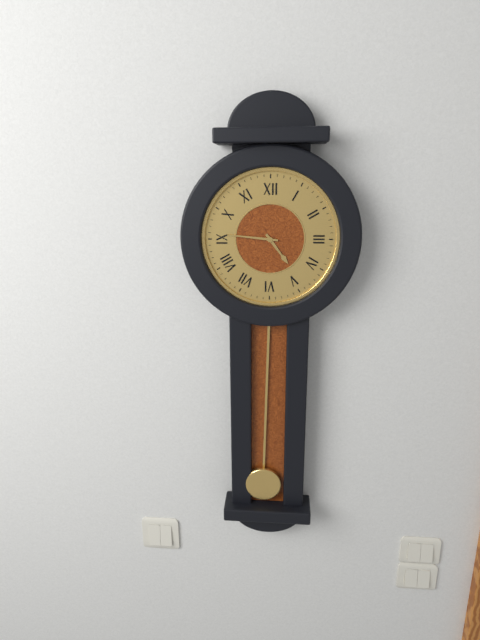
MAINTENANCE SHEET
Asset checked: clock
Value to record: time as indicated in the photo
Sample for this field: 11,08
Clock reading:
4,46
